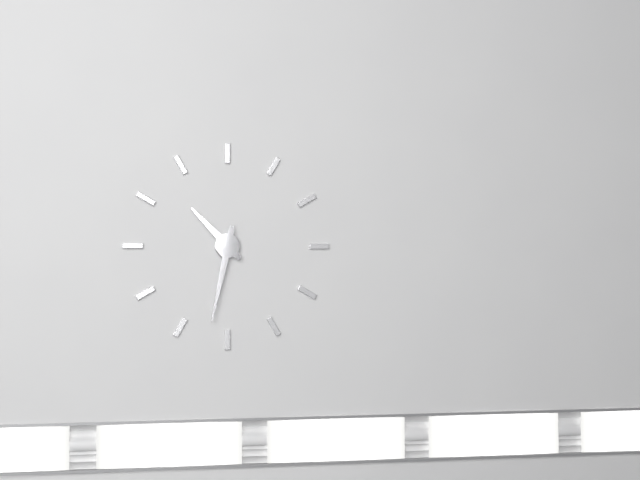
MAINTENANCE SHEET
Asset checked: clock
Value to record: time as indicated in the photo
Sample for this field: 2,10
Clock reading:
10,32
